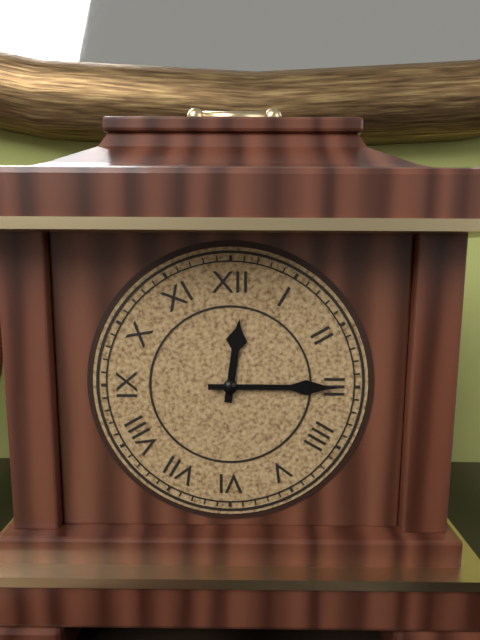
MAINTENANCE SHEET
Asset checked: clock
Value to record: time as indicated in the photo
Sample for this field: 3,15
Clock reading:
12,15
